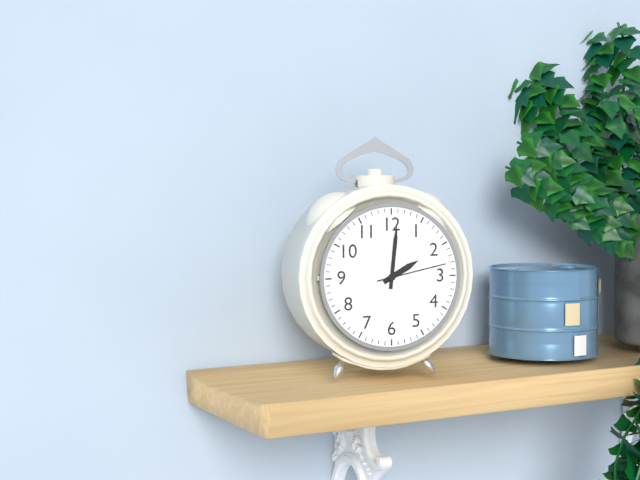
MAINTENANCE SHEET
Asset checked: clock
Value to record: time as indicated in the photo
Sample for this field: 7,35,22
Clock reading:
2,01,13
